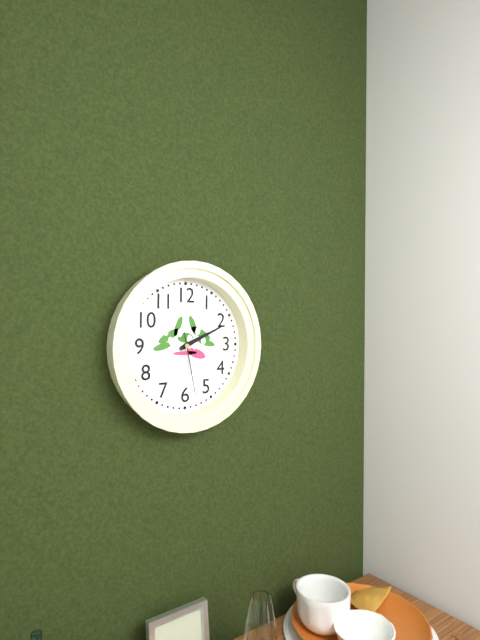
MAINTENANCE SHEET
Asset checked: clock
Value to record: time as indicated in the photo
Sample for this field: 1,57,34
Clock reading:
2,11,28
